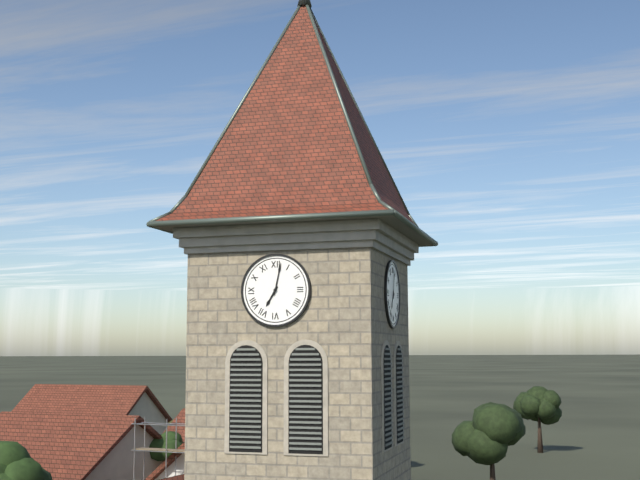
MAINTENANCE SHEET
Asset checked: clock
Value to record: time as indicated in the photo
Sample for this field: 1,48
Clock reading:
7,02
